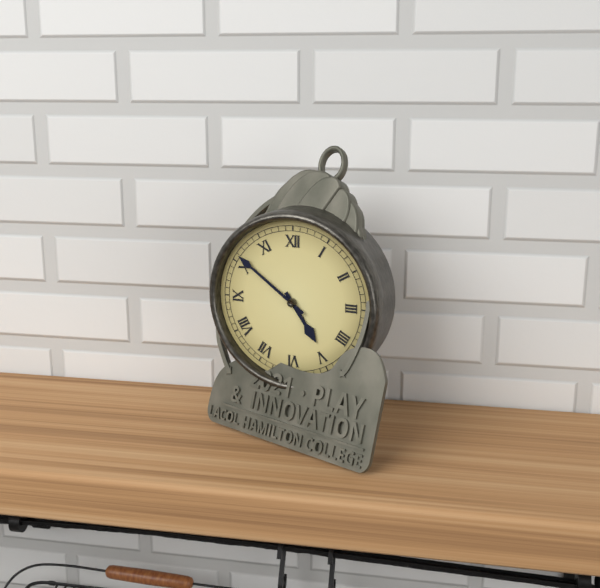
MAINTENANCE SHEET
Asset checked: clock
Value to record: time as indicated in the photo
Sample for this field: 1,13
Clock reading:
4,51
